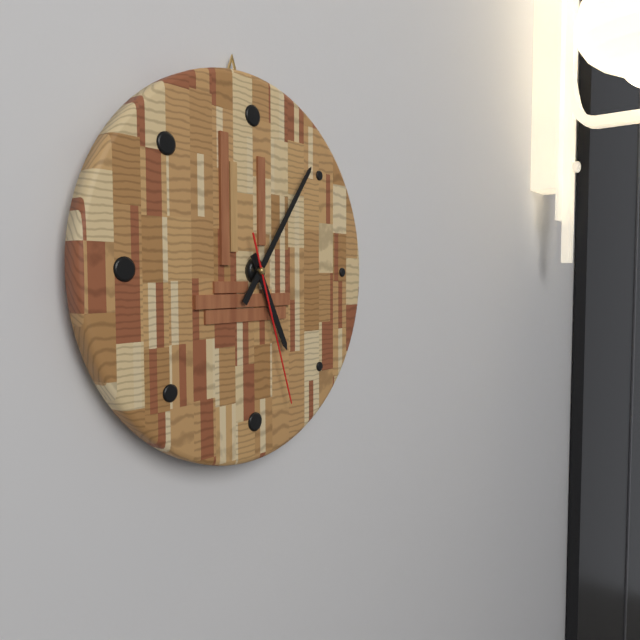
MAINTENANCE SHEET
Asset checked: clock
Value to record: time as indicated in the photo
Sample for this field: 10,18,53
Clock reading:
5,06,27
